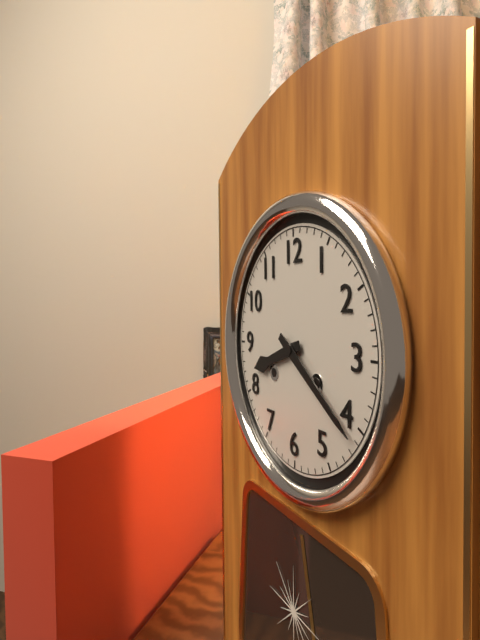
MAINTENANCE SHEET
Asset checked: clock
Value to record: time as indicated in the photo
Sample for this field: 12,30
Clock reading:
8,21
